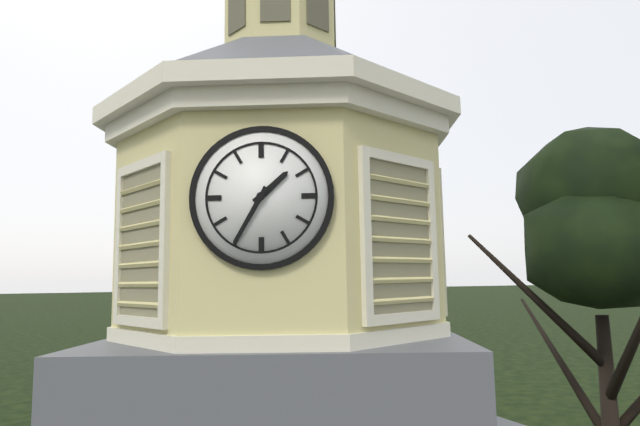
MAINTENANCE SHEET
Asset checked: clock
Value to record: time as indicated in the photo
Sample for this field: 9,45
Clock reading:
1,35
